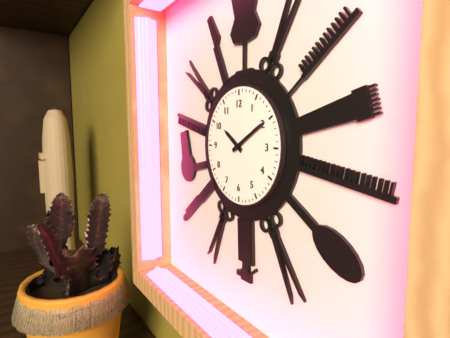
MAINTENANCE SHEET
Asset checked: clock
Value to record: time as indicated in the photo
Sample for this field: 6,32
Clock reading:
10,10
